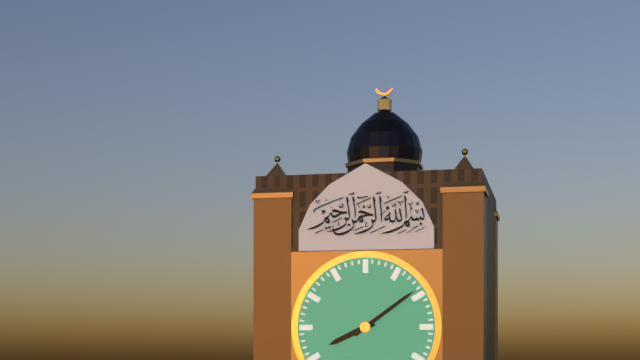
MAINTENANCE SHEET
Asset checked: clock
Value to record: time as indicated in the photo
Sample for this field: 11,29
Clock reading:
8,09
